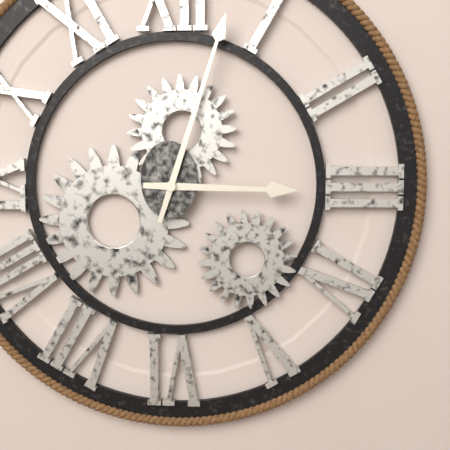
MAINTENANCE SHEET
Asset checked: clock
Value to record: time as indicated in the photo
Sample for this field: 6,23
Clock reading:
3,03
